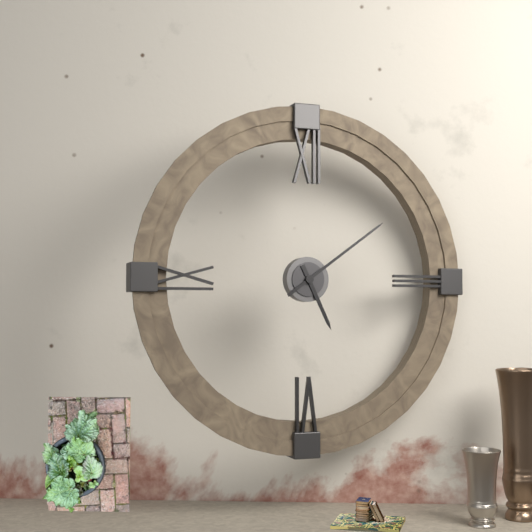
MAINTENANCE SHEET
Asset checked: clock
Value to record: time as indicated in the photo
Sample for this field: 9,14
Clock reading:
5,09
